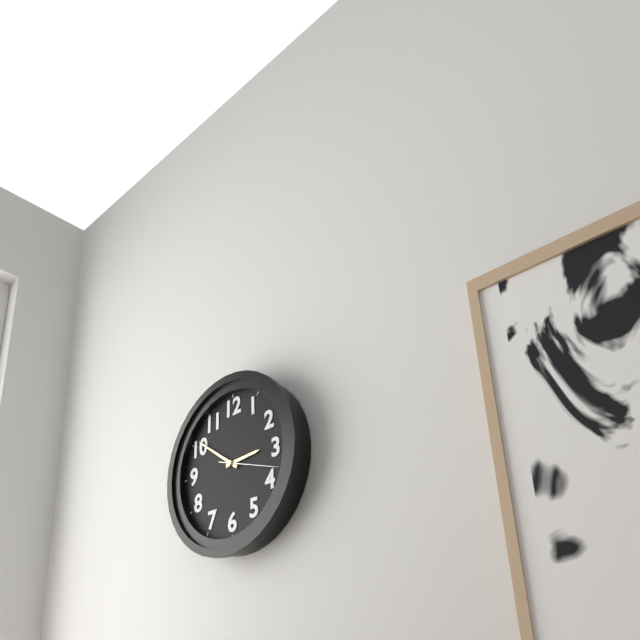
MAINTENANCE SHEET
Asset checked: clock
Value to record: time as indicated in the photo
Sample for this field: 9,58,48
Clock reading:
2,51,18
